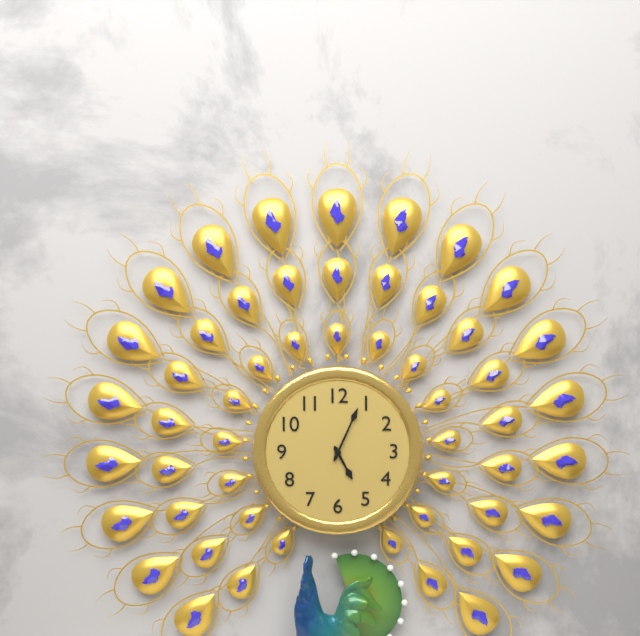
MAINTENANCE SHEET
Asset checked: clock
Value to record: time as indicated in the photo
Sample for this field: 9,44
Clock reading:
5,04
